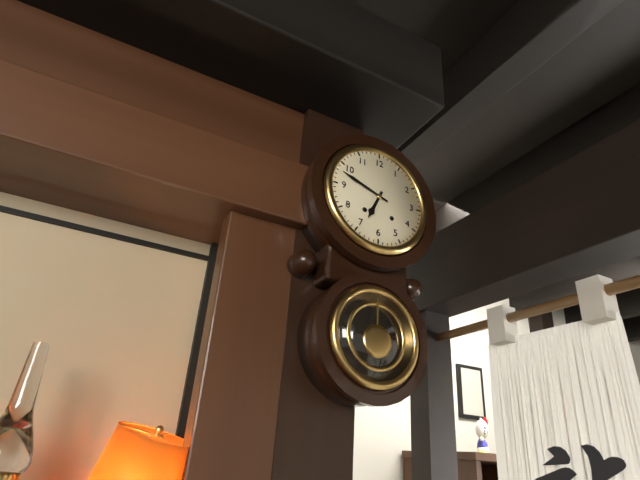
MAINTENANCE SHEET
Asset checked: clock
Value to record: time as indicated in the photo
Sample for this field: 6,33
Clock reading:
6,48
